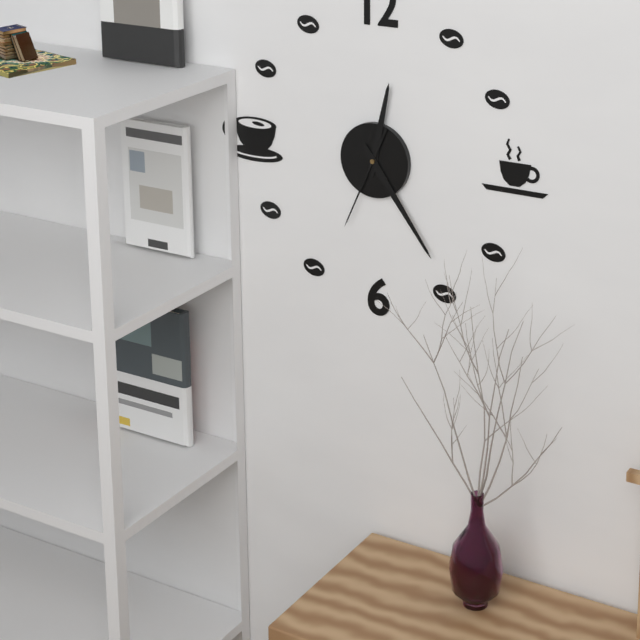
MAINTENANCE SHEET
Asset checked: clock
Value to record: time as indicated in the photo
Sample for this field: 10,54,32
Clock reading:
12,24,34
